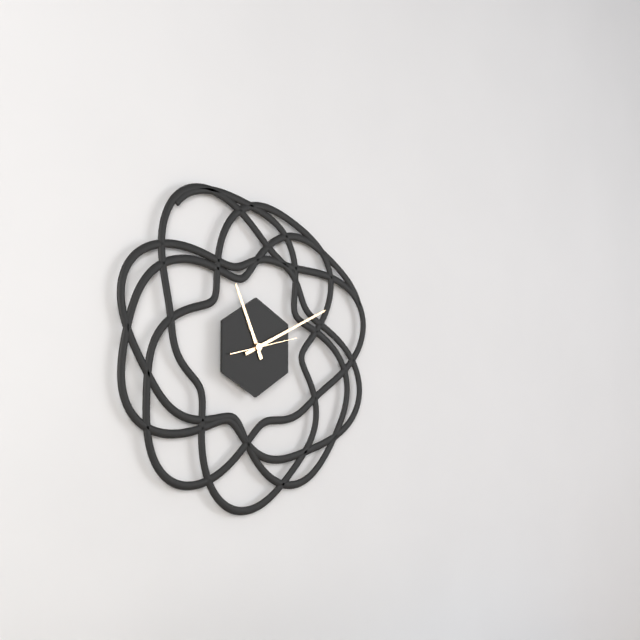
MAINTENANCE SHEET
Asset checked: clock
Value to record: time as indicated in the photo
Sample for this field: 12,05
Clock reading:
11,11
